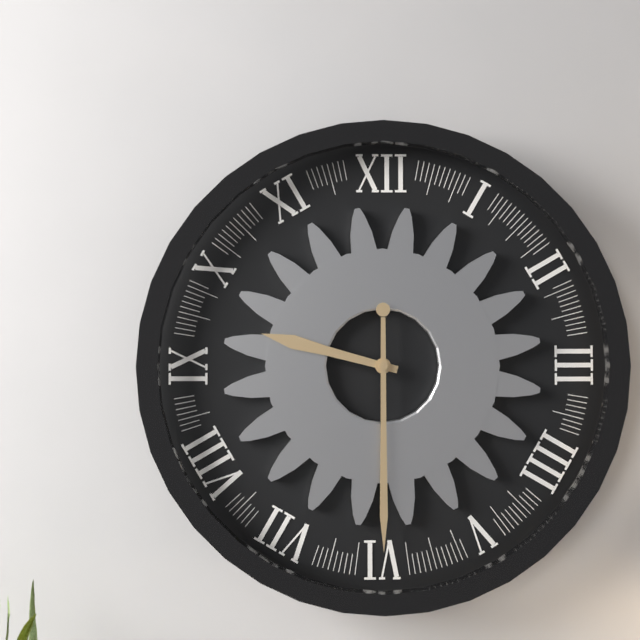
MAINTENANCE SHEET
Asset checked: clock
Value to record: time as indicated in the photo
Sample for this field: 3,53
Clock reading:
9,30
